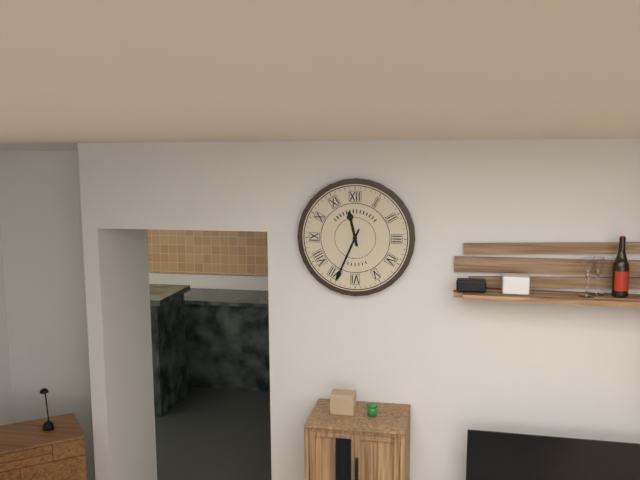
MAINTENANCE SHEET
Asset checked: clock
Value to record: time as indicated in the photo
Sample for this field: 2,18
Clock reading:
11,34
